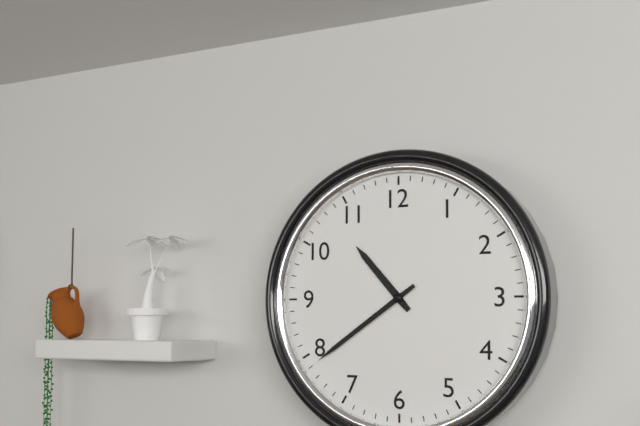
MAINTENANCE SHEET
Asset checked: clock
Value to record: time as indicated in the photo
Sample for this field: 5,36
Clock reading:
10,39
